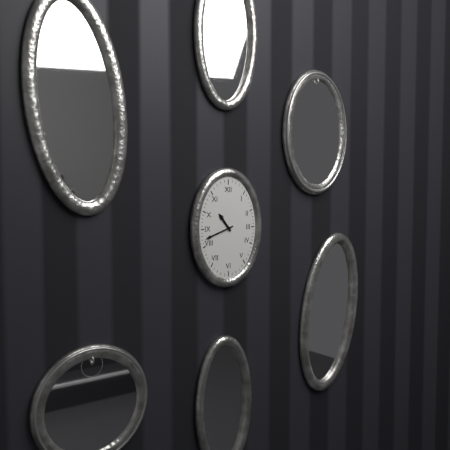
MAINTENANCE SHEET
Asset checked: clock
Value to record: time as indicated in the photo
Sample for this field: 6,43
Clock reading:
10,42
